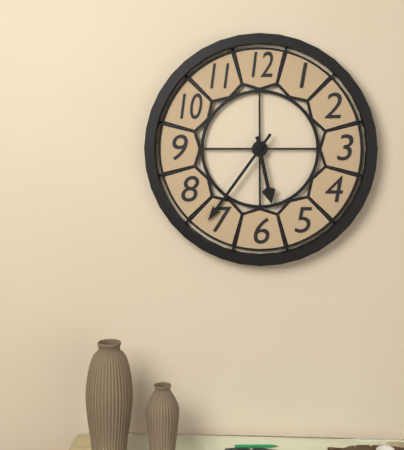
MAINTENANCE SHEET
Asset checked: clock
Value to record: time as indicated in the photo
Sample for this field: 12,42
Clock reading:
5,36
